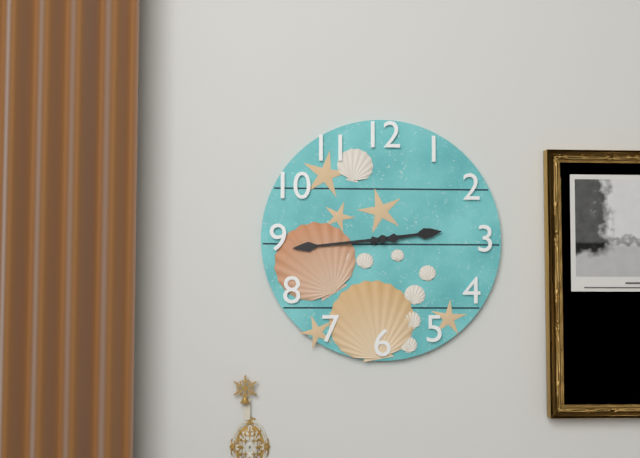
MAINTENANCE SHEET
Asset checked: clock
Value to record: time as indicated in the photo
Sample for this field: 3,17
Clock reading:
2,44
